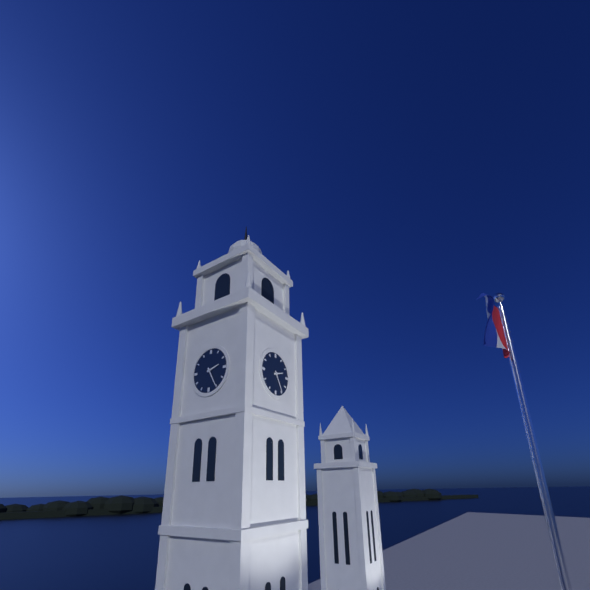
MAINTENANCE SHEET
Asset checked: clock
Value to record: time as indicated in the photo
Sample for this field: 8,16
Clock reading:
2,25
